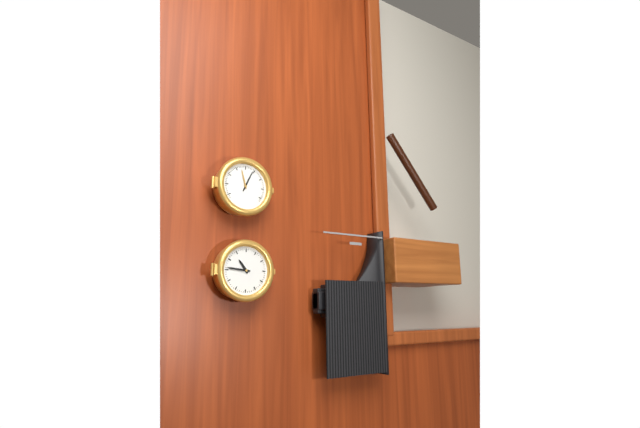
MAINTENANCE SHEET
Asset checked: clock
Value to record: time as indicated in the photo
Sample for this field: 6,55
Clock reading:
10,46
